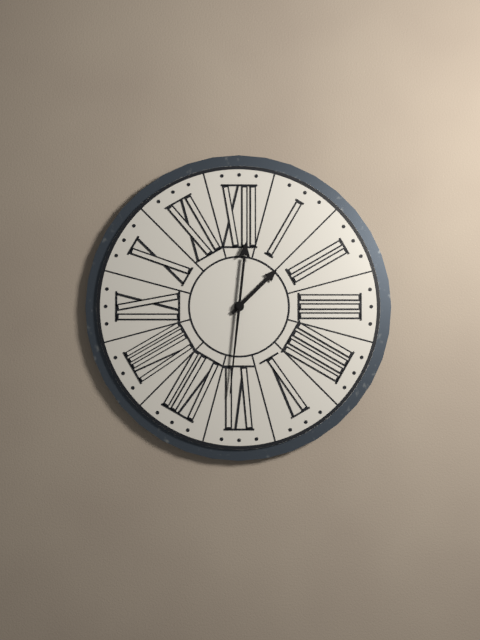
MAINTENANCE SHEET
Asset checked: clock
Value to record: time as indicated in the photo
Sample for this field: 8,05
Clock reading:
1,31
